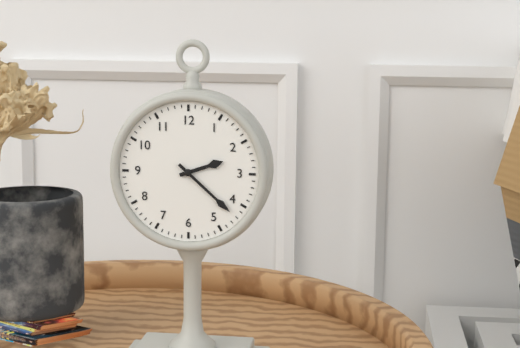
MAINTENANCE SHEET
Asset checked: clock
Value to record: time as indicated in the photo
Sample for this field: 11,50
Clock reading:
2,22
